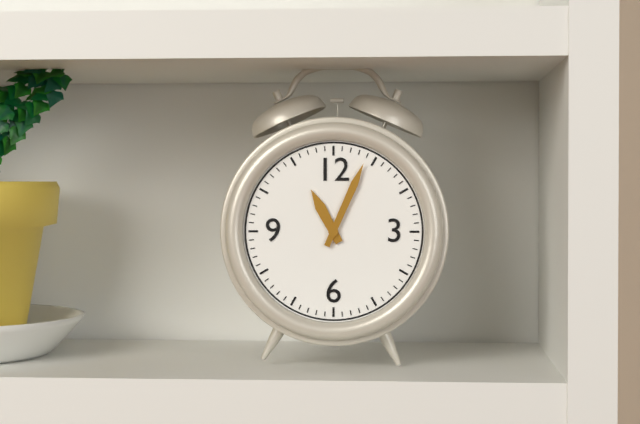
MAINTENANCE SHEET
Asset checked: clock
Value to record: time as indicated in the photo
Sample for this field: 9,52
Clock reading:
11,04
